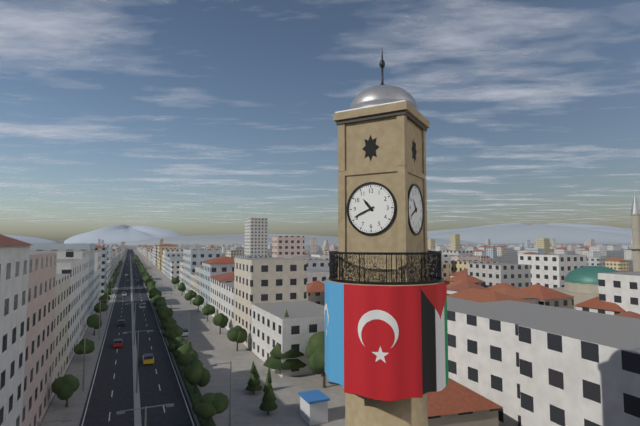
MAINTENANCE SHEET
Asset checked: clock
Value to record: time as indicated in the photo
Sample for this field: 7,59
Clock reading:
10,41
